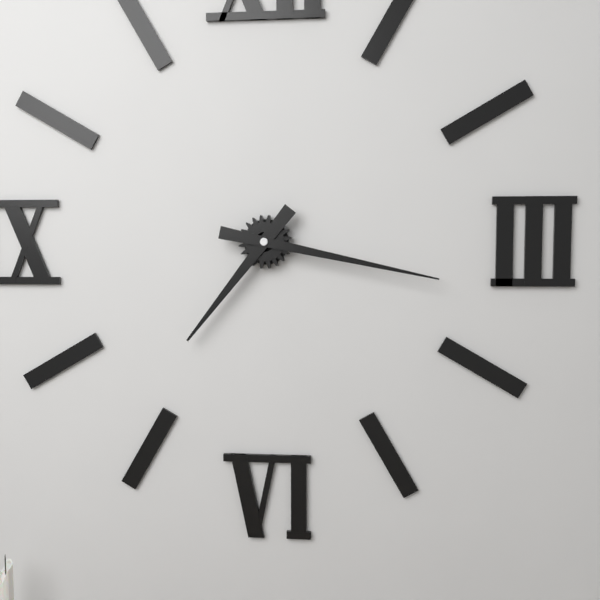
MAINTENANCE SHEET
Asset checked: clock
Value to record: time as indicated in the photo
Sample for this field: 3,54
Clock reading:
7,17
